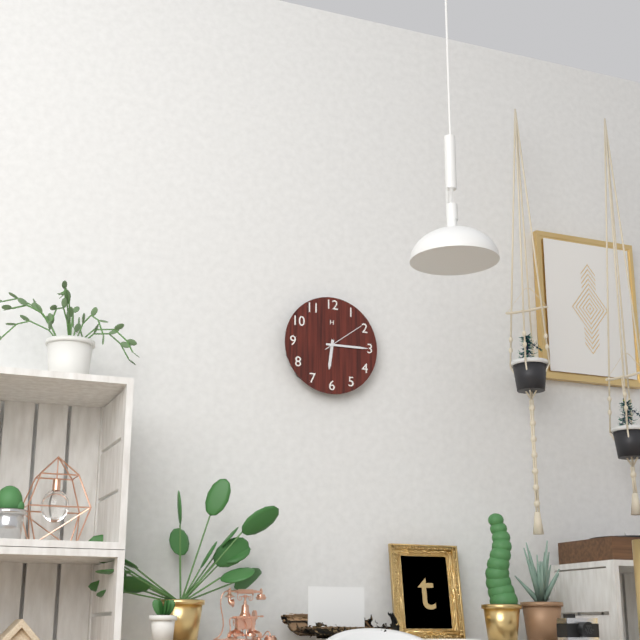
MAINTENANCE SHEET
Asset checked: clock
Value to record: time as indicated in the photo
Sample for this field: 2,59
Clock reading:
6,15
